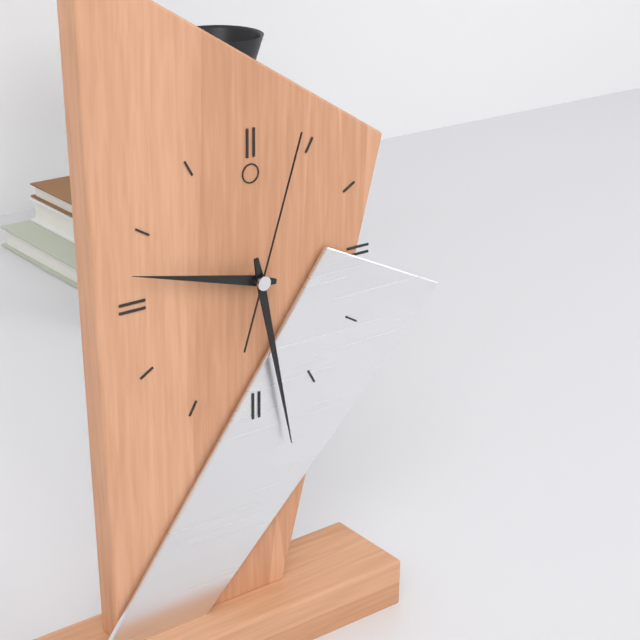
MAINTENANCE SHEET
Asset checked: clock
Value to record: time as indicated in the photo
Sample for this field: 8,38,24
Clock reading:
9,28,03
